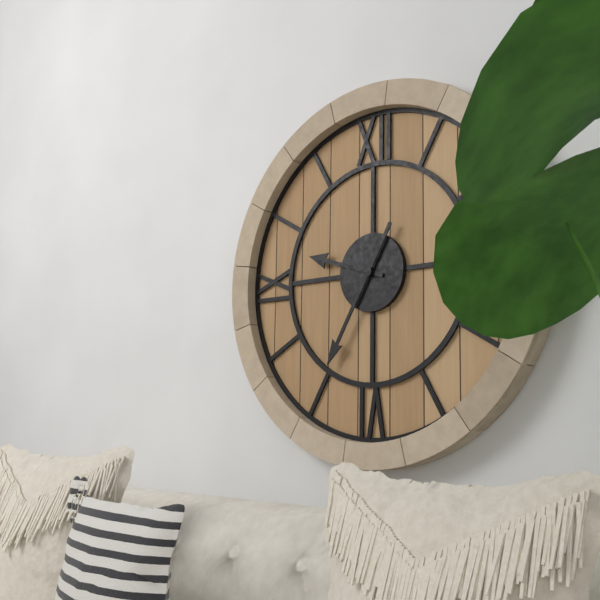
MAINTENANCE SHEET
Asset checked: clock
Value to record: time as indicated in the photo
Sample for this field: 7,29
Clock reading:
9,35
